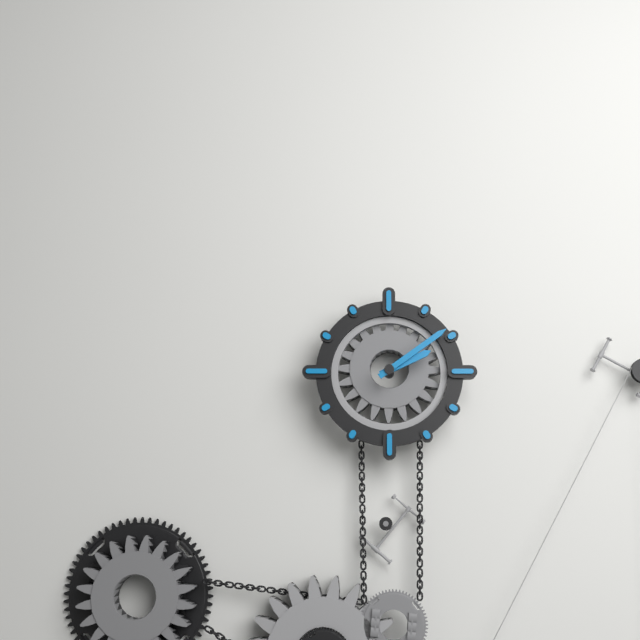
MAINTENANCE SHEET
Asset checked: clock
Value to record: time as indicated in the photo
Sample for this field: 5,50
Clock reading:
2,09
